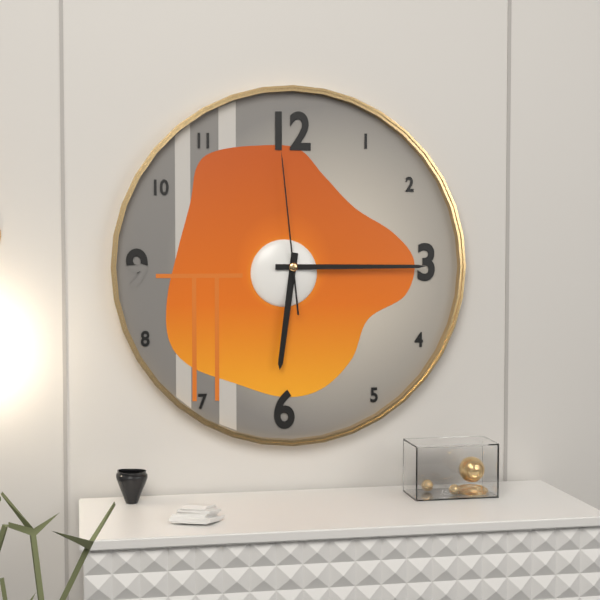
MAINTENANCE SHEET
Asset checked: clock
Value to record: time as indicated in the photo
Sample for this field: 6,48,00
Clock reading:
6,15,59
